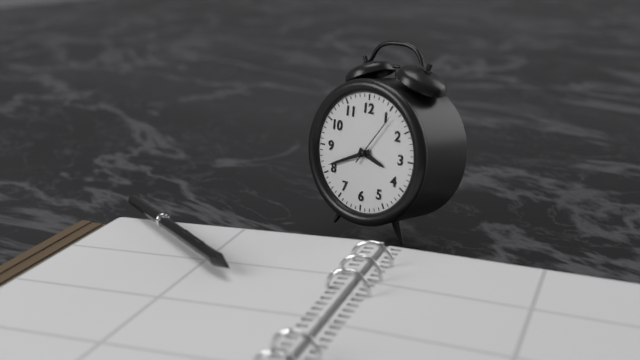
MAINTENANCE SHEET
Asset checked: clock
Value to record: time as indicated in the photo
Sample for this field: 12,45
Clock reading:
3,41
